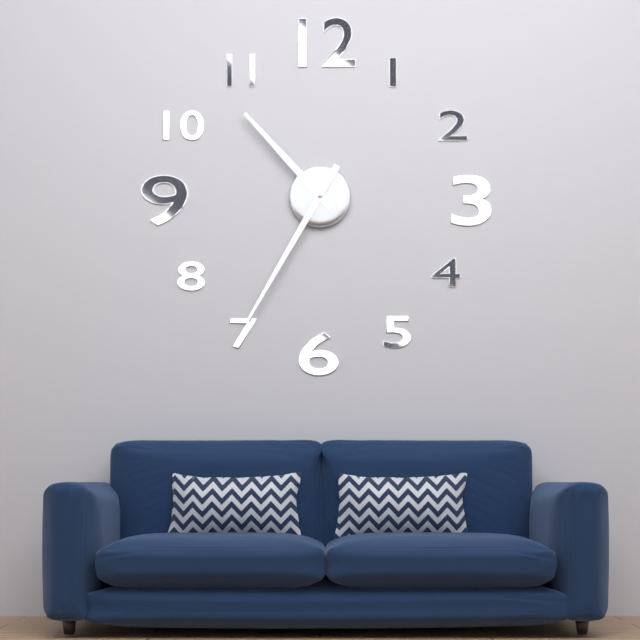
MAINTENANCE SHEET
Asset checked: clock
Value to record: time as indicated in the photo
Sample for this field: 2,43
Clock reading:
10,35
